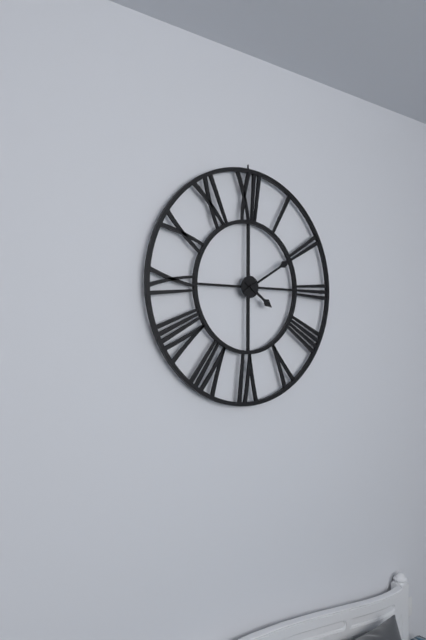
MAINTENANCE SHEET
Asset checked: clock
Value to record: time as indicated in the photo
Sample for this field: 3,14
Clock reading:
4,10
